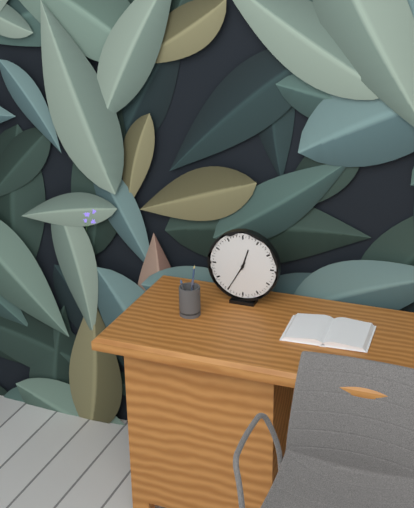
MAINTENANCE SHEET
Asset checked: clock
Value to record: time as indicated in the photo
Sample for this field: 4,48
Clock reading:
12,35
